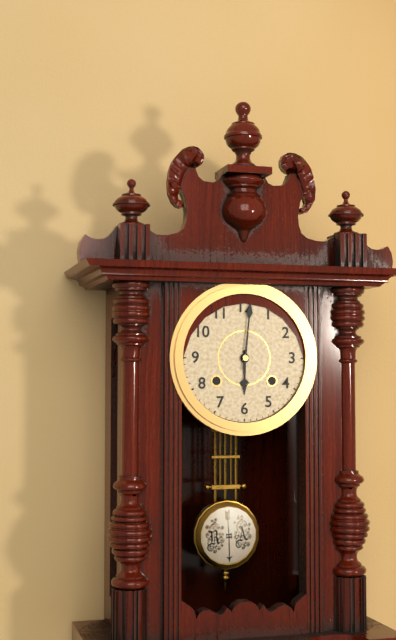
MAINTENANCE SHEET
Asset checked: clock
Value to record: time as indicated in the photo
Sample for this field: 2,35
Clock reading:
6,01
